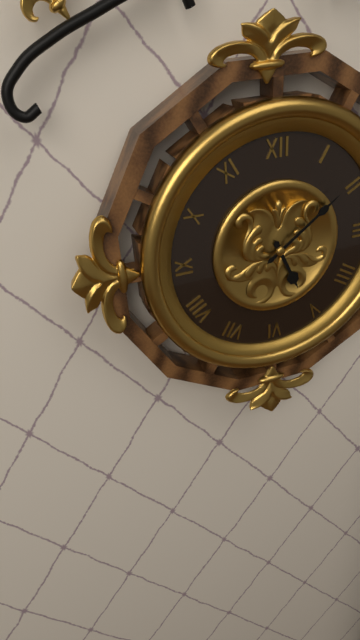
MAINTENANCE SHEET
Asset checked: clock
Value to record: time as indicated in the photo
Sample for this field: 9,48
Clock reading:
5,09
